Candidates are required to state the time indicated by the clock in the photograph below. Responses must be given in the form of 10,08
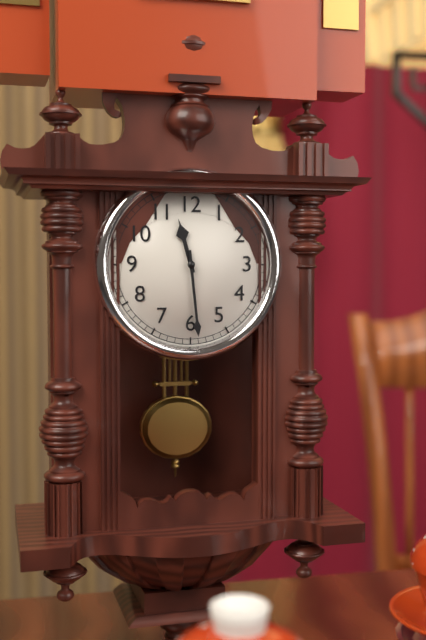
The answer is 11,29
